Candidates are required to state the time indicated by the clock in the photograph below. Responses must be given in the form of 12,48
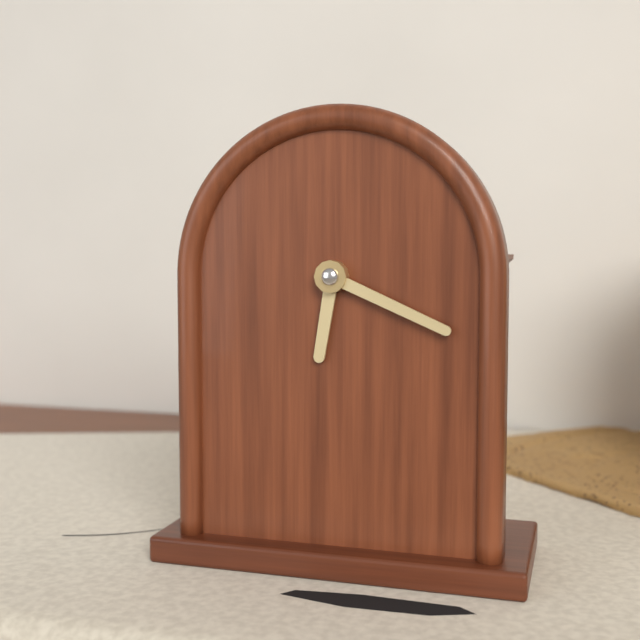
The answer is 6,19
